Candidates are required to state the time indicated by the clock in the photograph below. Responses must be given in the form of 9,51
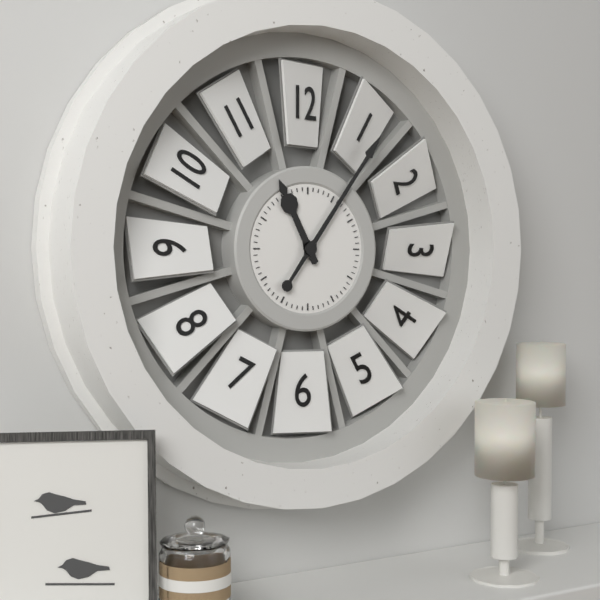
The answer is 11,06
